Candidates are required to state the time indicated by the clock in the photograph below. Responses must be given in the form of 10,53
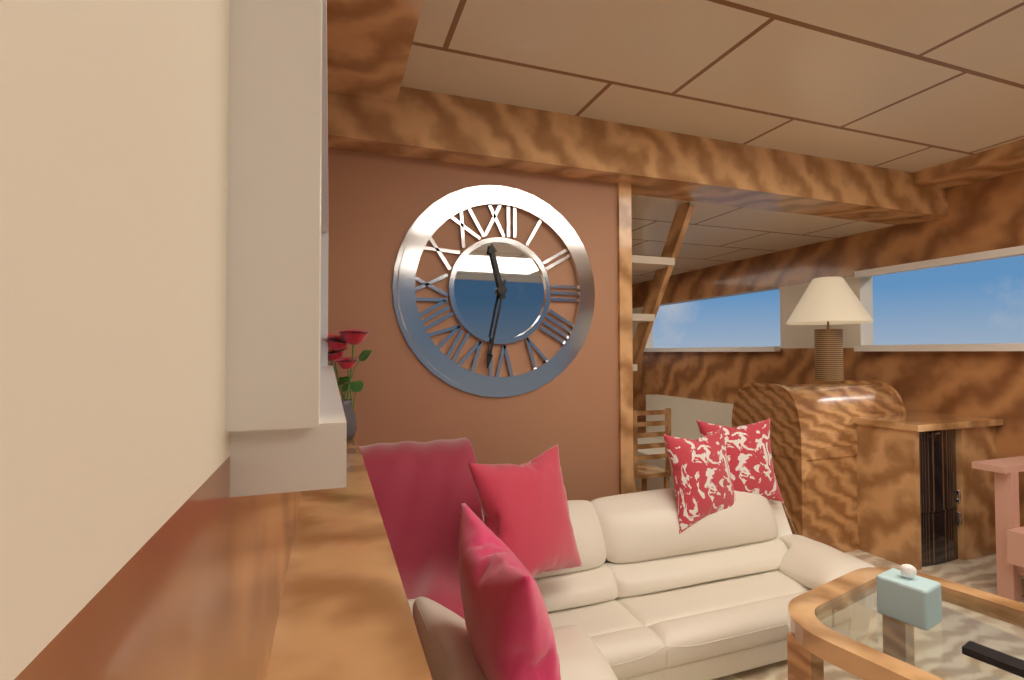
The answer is 11,32
